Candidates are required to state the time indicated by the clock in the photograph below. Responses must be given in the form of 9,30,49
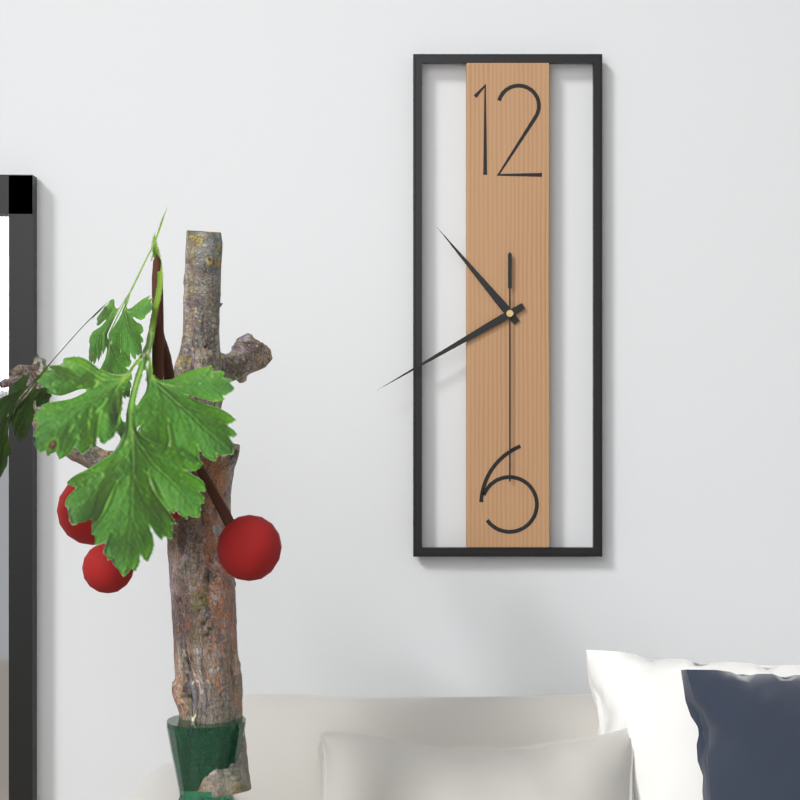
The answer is 10,40,30
